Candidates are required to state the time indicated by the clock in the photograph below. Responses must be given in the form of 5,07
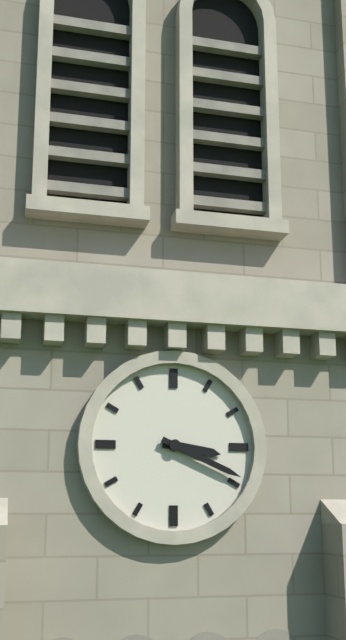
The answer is 3,19
